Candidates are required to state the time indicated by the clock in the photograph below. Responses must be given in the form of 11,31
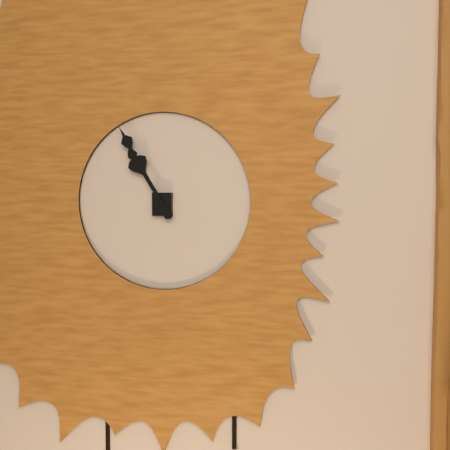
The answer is 10,55
